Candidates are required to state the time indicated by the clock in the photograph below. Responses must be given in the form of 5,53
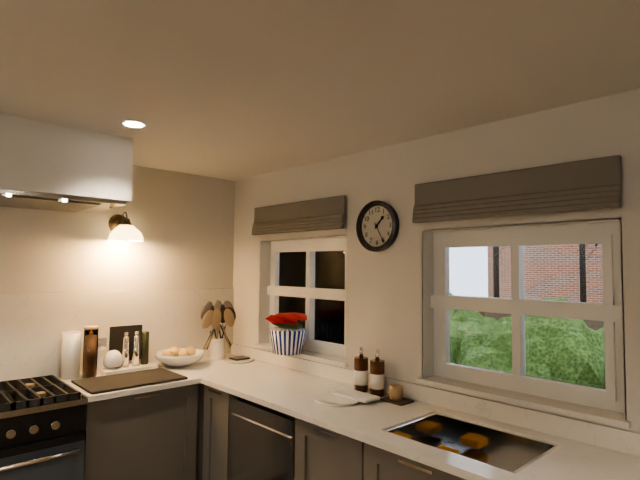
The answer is 1,25
